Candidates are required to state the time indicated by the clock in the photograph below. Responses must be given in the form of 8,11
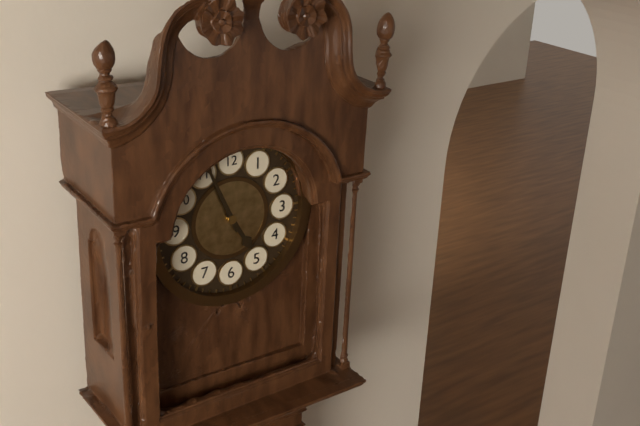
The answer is 4,56
